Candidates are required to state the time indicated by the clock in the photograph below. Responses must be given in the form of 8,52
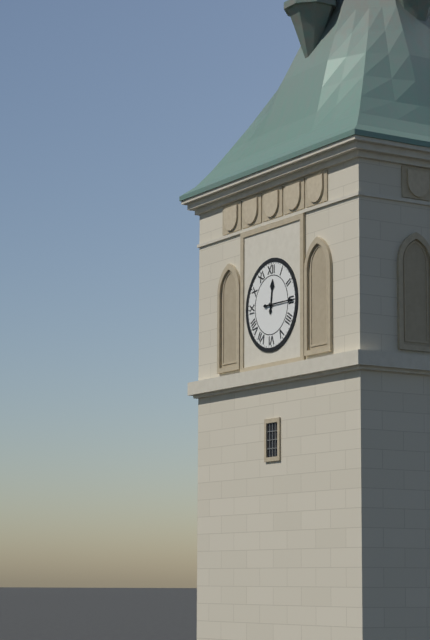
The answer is 12,15
